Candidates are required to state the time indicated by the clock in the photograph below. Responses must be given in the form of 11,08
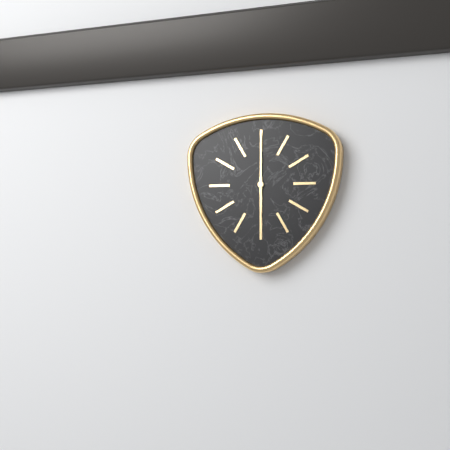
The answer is 6,00
